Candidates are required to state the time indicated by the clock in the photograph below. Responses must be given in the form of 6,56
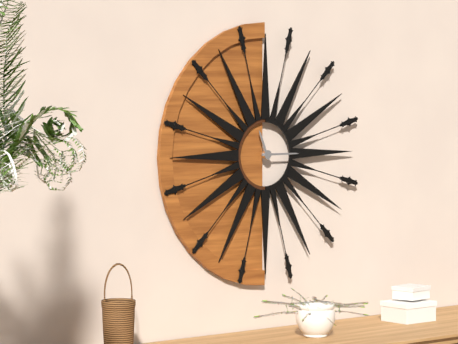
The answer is 11,15
